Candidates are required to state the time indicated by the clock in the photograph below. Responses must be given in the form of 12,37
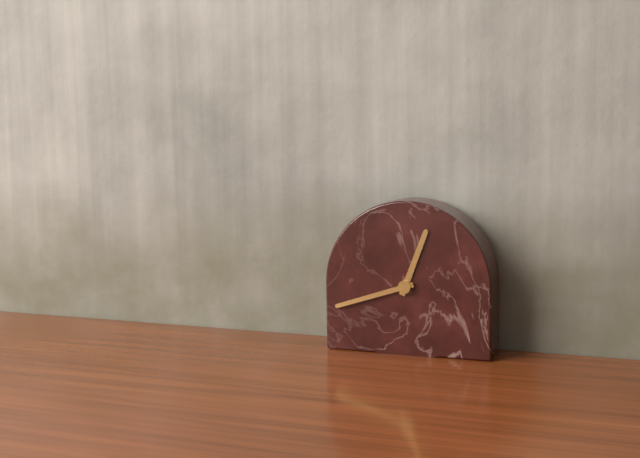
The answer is 12,42
